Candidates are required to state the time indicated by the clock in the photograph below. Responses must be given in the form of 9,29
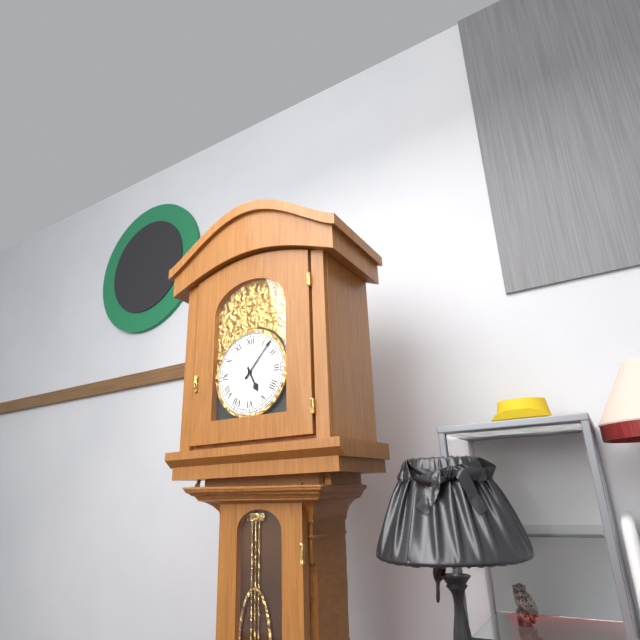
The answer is 5,07
